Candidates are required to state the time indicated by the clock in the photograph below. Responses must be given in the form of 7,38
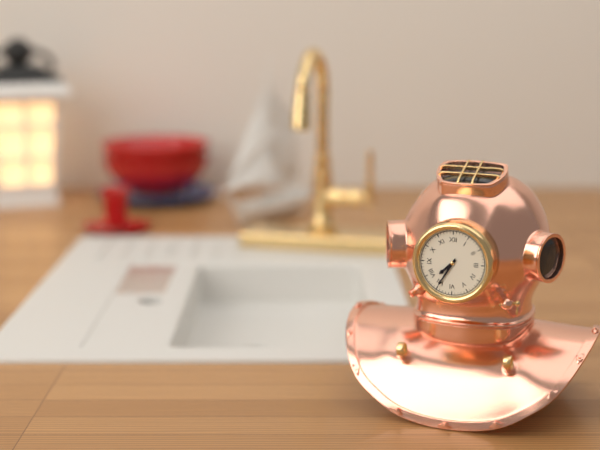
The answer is 7,35
